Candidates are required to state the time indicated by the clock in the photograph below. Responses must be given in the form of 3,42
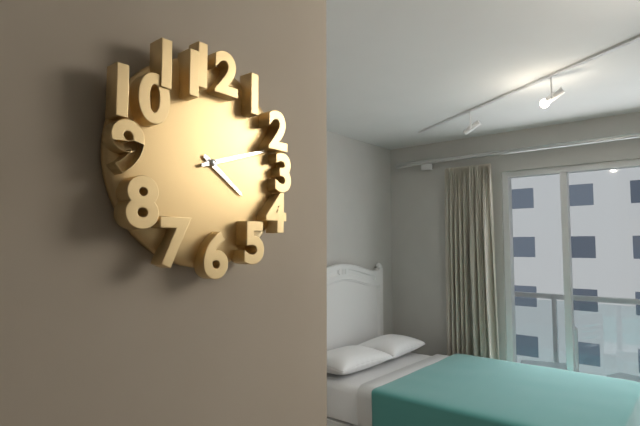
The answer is 4,12
